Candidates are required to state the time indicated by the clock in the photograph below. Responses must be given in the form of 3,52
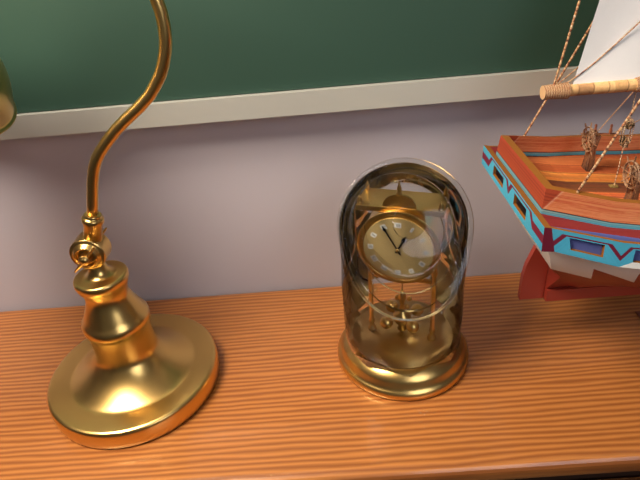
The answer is 12,55
